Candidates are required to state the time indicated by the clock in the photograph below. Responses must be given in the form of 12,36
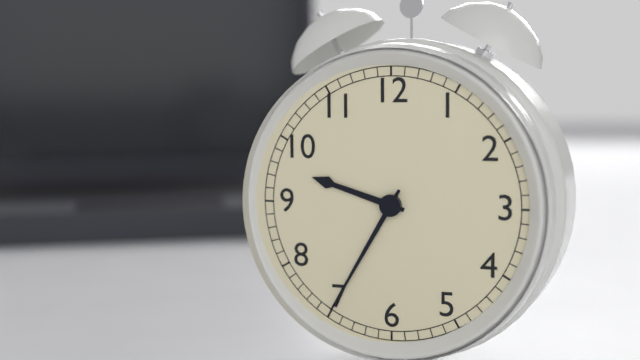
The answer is 9,35
